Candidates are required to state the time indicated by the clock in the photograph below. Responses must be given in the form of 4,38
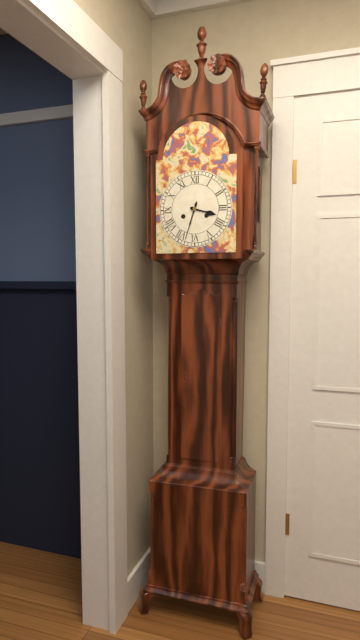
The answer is 3,33
